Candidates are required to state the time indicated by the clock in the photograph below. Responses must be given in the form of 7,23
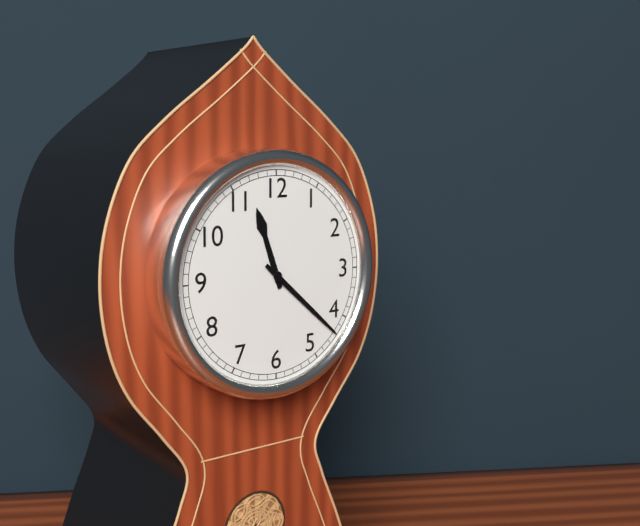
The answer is 11,22
